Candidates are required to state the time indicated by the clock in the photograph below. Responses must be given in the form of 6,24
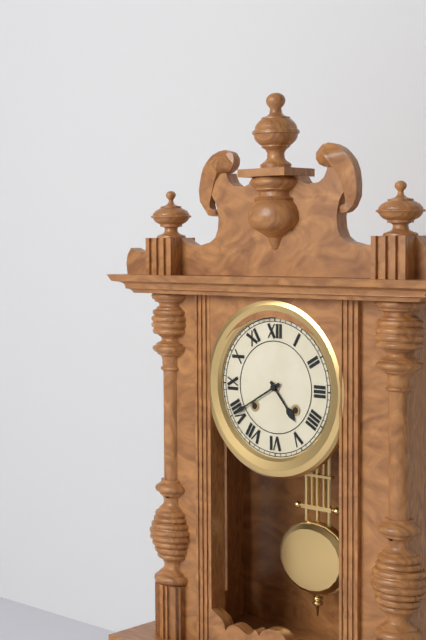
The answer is 4,40
